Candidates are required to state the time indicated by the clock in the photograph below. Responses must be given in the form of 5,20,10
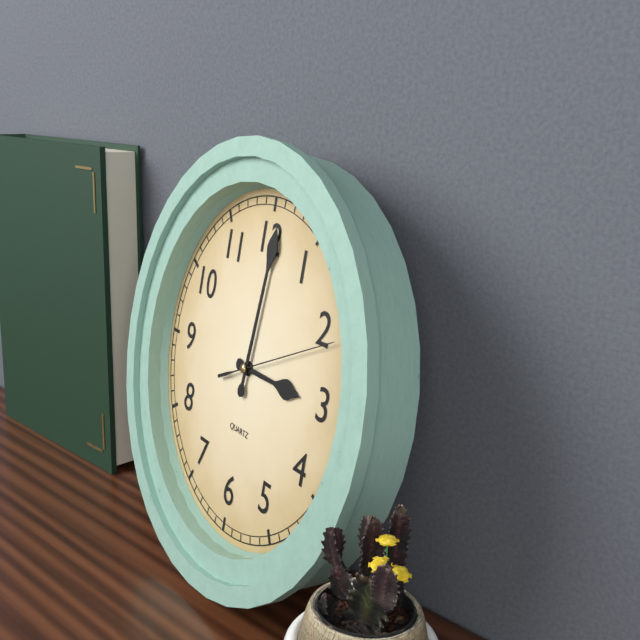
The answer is 3,01,11
